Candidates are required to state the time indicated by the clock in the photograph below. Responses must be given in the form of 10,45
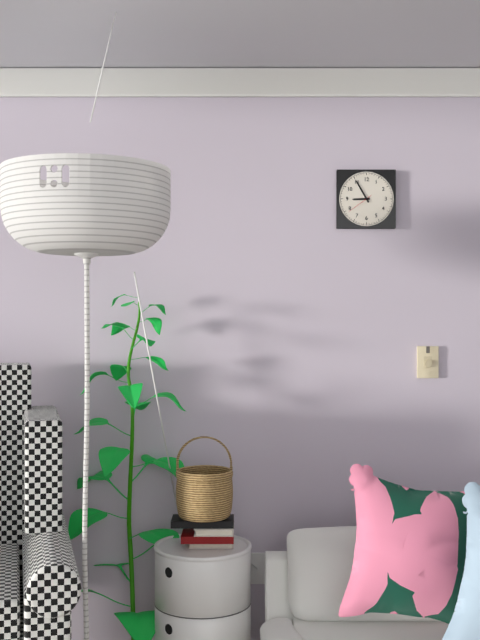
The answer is 8,55
